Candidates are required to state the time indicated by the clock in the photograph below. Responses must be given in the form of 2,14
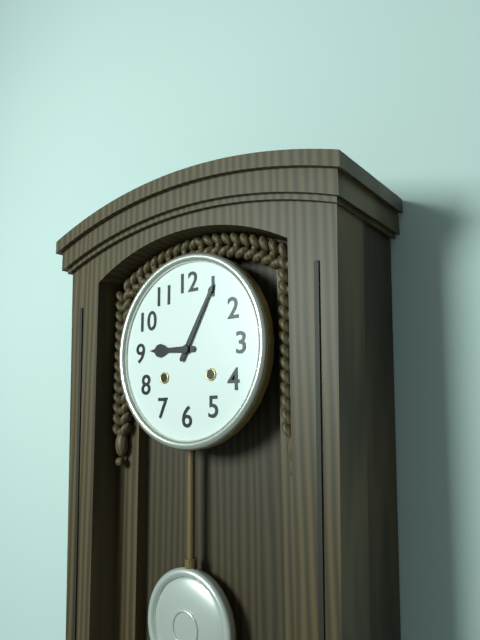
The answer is 9,05
